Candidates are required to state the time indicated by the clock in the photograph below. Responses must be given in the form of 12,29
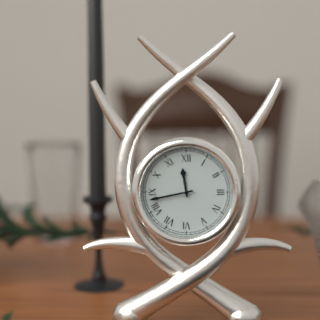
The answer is 11,43
